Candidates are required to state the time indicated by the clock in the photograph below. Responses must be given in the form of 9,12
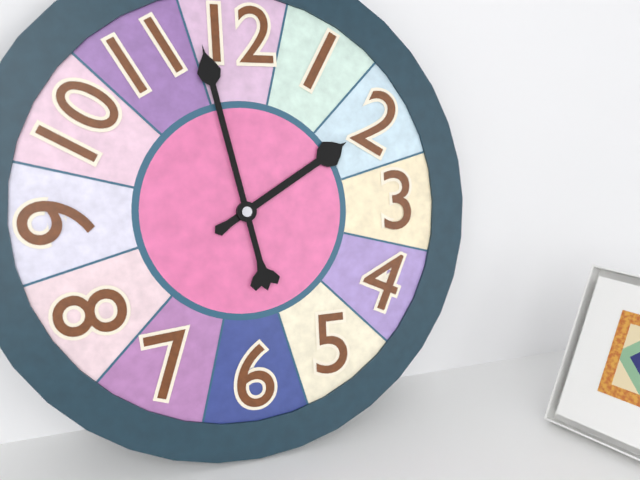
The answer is 1,58
